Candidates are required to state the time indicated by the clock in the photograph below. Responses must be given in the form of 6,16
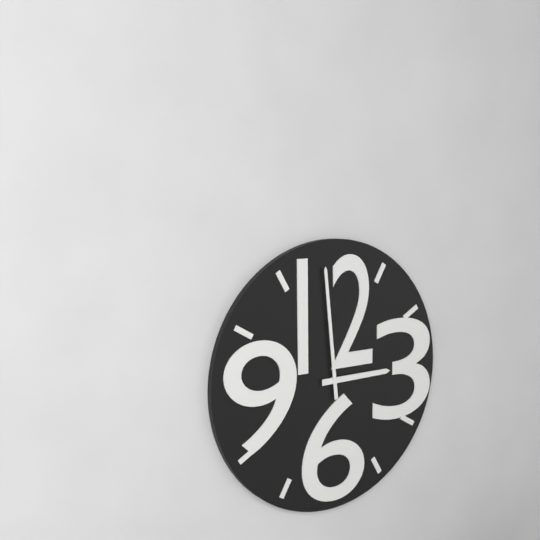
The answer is 2,59
